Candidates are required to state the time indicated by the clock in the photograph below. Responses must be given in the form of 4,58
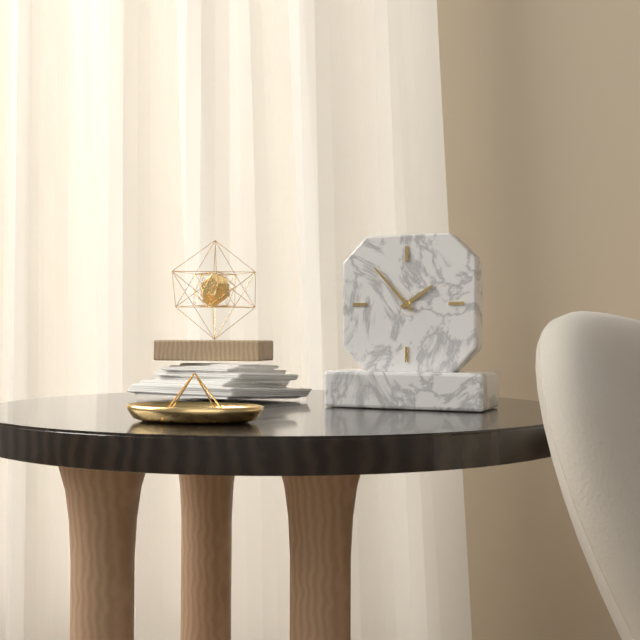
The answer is 1,53
